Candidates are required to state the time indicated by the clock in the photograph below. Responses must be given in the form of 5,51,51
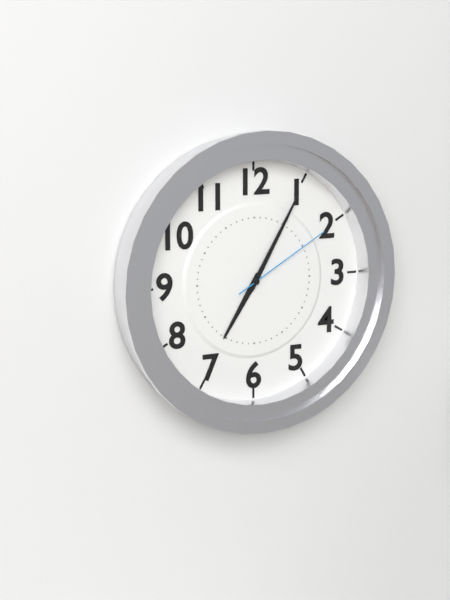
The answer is 7,05,10
